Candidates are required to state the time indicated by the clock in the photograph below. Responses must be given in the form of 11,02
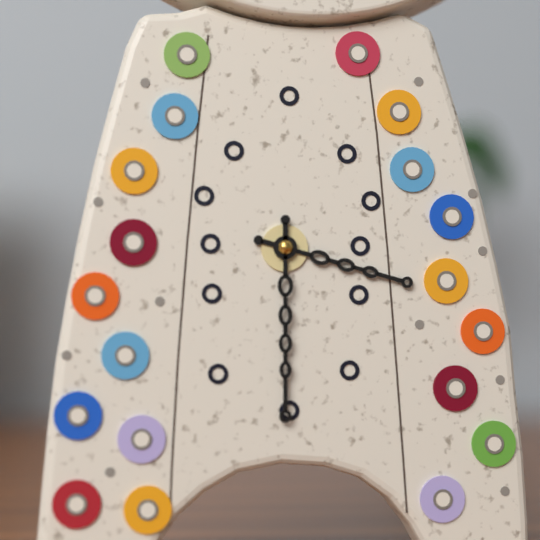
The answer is 3,30
